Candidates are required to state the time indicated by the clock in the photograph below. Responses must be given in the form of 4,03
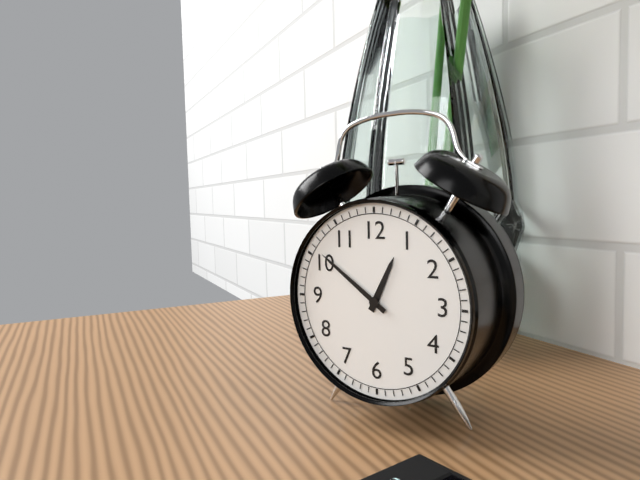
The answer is 12,51
